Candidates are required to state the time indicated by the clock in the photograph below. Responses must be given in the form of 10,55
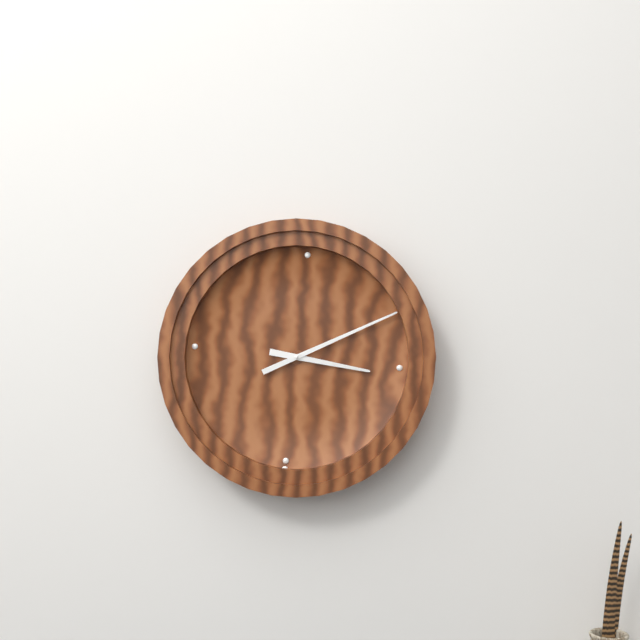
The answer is 3,10
